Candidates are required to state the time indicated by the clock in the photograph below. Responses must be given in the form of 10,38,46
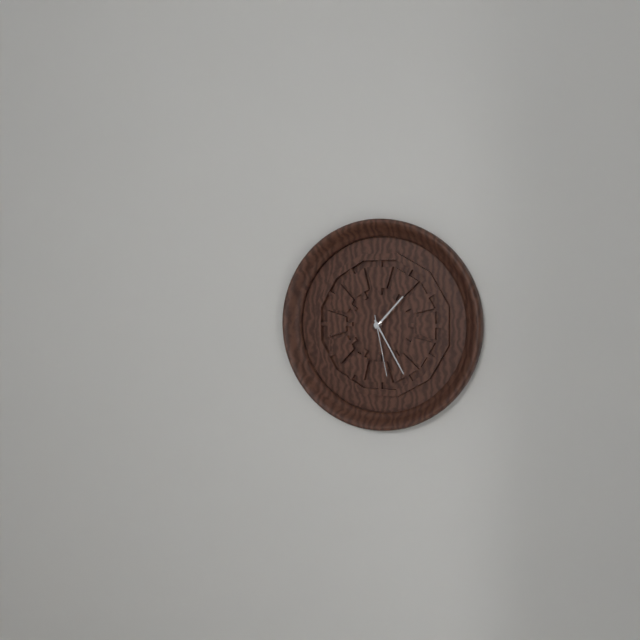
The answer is 1,25,28
